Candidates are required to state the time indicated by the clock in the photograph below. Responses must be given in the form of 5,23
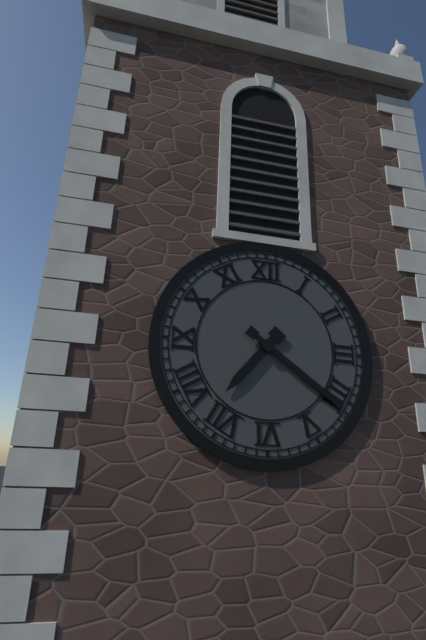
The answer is 7,21
